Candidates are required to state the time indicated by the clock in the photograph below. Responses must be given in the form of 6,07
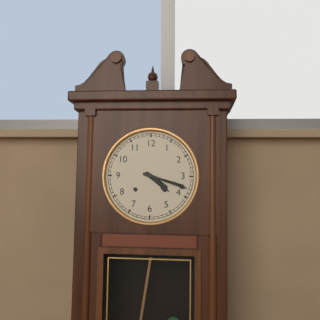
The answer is 4,18
